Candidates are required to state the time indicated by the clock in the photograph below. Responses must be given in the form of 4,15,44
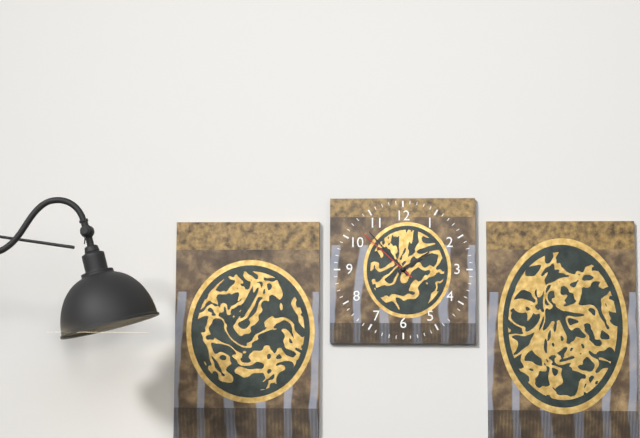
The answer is 1,53,52
